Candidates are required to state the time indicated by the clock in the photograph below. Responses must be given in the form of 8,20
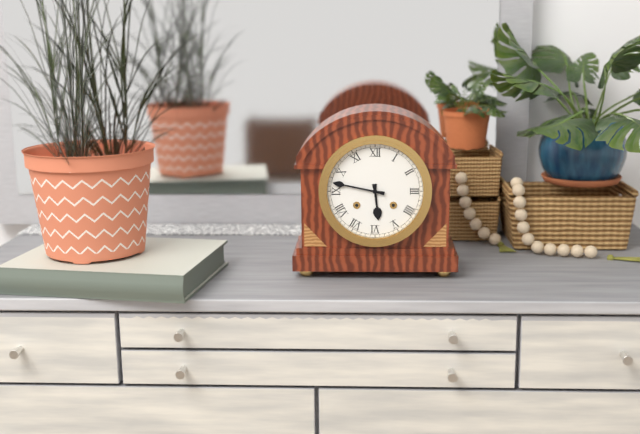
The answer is 5,47
